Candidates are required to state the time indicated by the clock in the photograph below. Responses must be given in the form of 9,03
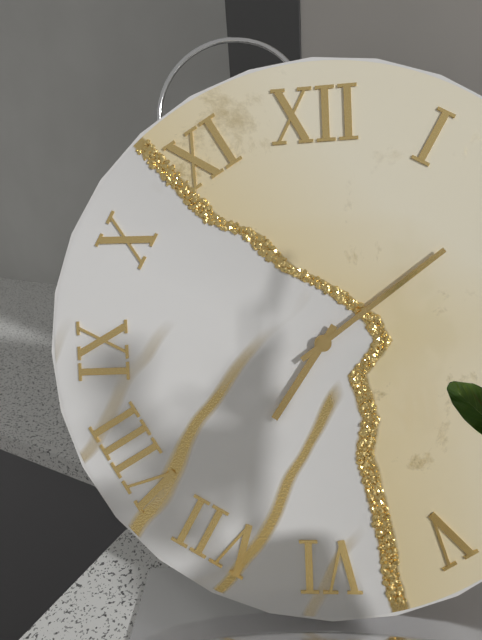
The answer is 7,09
